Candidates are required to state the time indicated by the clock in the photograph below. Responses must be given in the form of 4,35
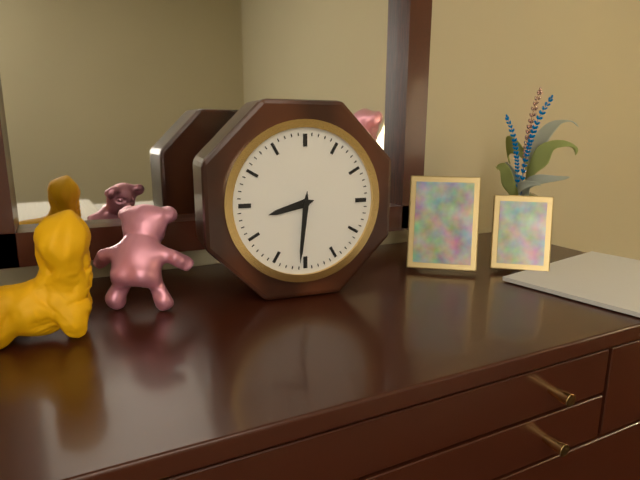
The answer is 8,31
